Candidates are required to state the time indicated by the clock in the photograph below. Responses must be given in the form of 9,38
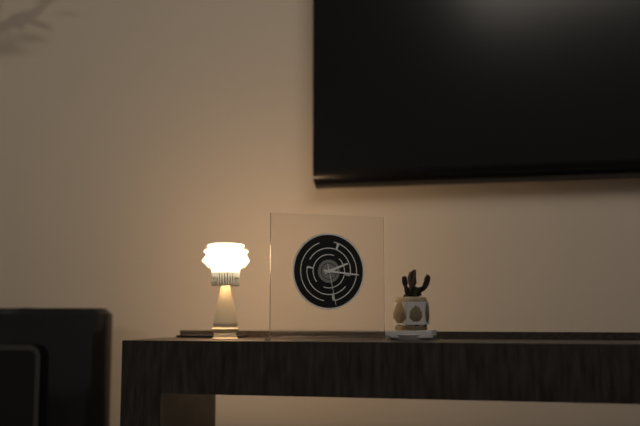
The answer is 2,16
